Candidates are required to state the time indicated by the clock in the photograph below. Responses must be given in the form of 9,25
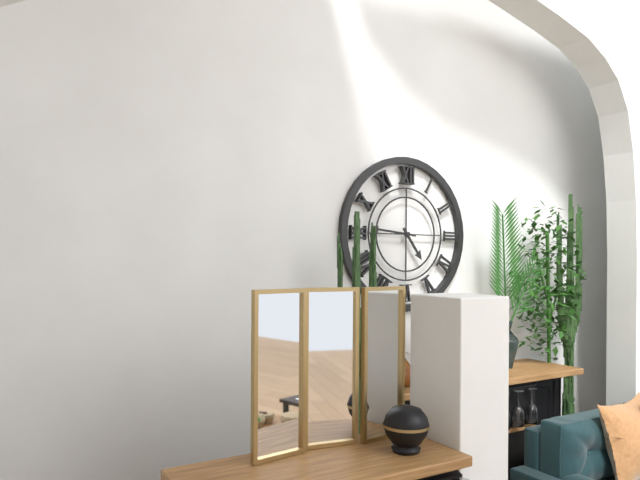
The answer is 4,46
